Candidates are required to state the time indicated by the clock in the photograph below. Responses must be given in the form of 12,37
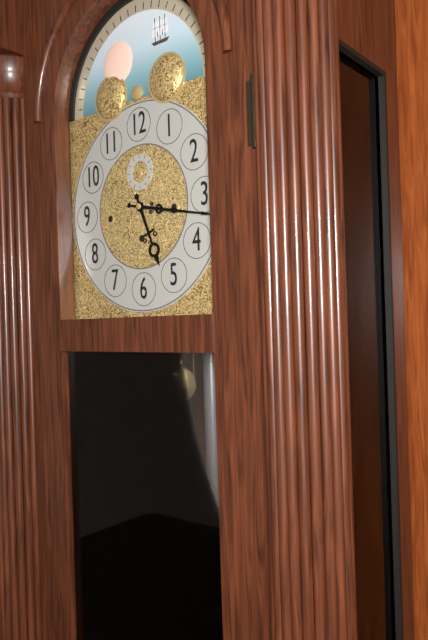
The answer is 5,17
